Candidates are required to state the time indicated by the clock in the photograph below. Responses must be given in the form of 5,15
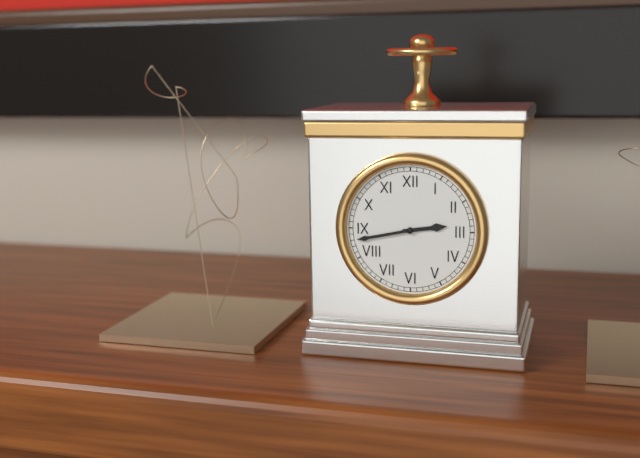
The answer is 2,43
